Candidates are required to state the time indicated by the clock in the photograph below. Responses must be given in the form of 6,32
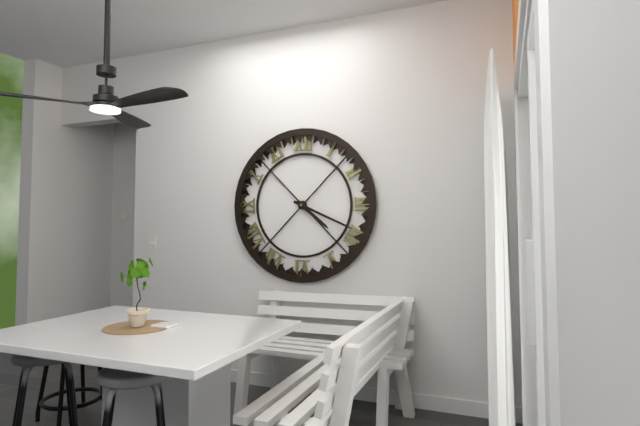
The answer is 4,19
